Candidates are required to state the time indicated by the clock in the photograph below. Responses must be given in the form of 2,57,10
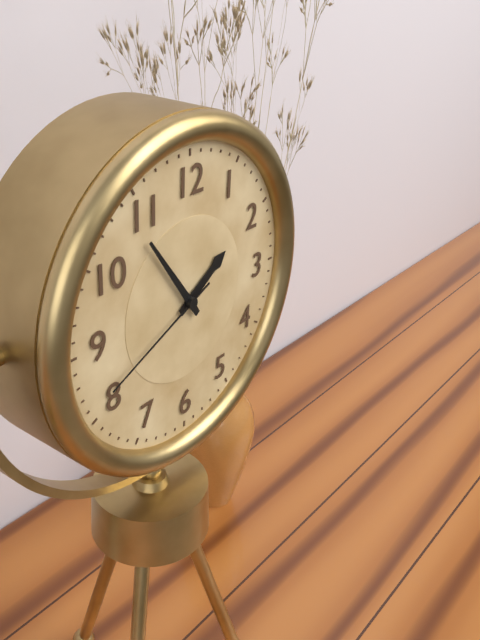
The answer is 1,54,41
